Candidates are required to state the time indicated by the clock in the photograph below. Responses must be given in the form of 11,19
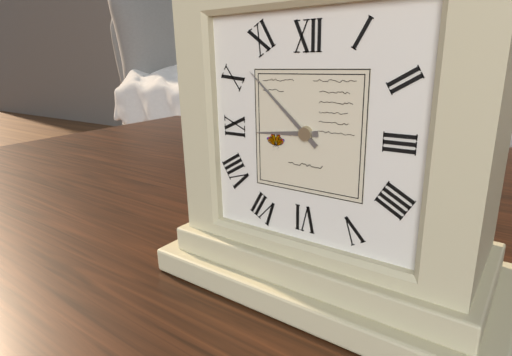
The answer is 8,52
